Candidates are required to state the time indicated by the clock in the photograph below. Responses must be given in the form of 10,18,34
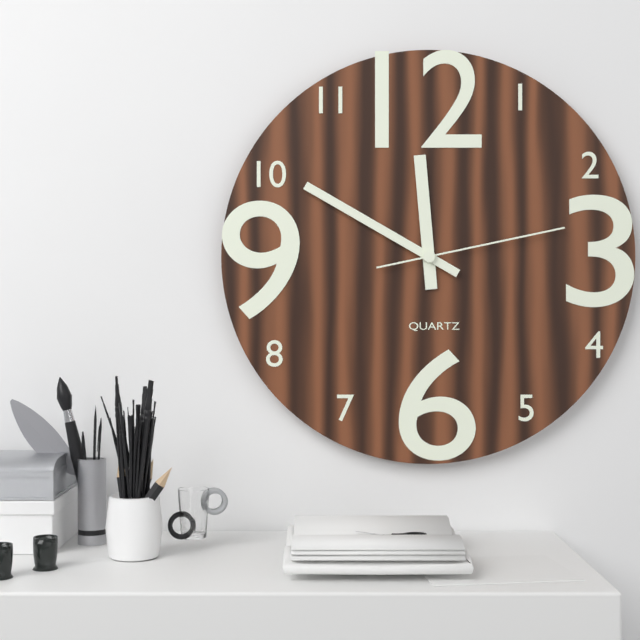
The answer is 11,50,13
